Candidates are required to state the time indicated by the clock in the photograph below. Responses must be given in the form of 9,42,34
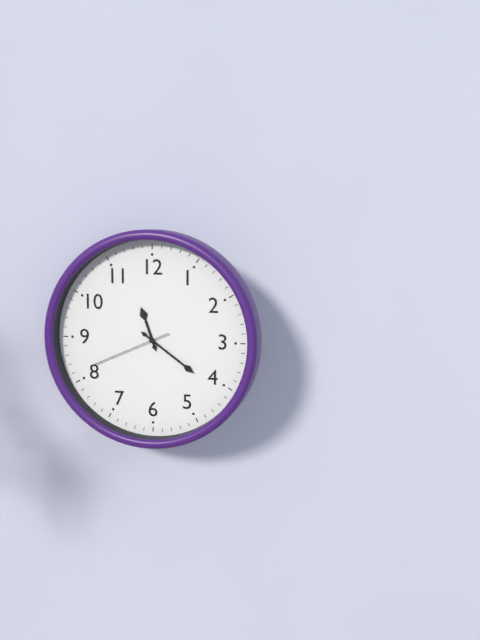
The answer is 11,21,41
